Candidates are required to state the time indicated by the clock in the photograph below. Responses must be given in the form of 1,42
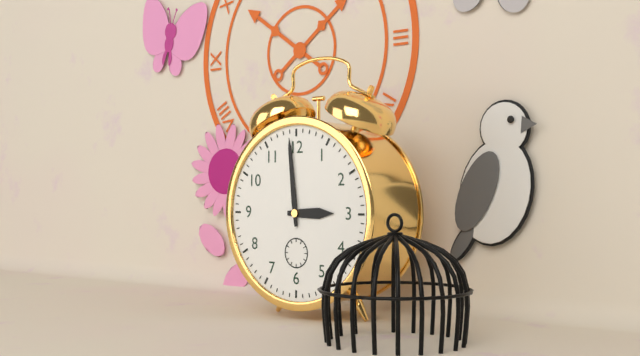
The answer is 2,59
